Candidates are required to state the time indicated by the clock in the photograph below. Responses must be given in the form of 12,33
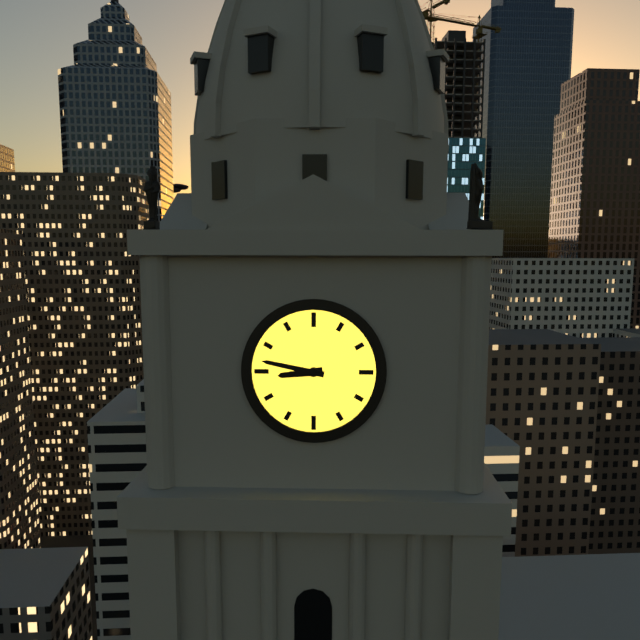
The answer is 8,47
